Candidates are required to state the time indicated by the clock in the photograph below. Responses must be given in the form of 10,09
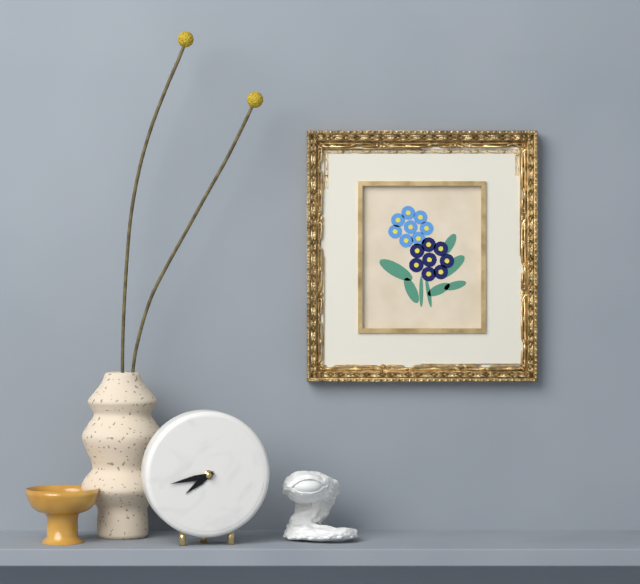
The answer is 7,43
